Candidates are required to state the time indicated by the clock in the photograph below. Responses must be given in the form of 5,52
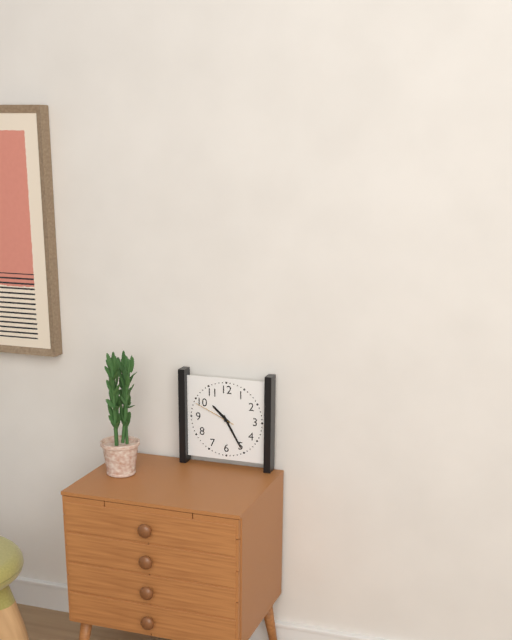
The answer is 10,25
